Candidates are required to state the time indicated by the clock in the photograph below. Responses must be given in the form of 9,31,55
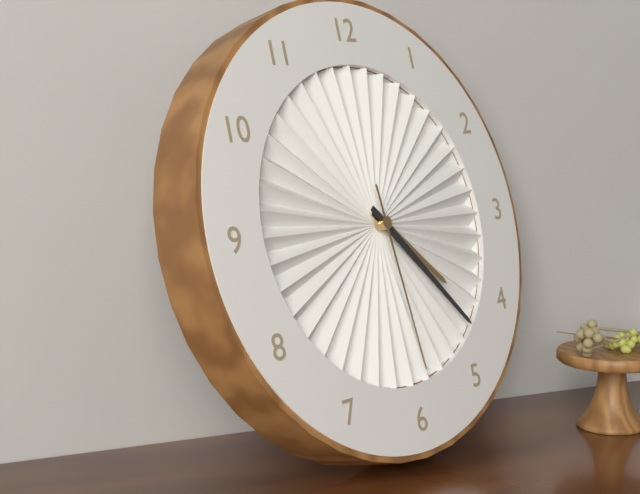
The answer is 4,23,29
